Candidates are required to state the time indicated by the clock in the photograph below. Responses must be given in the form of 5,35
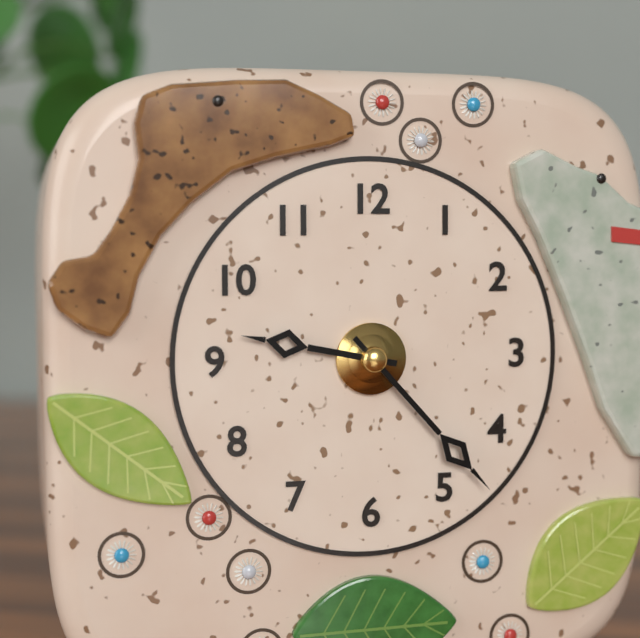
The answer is 9,23
